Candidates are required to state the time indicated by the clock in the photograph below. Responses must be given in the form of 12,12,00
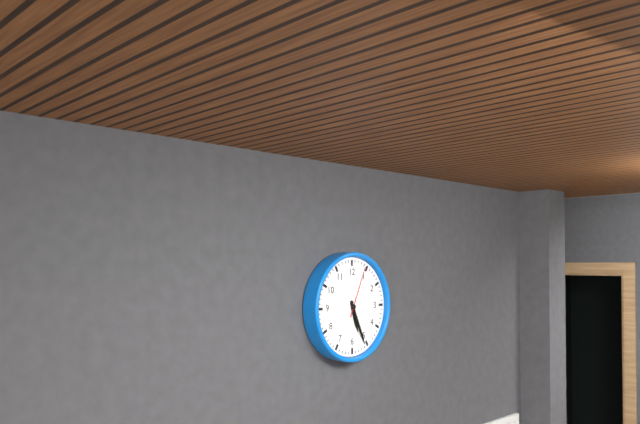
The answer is 5,26,04
